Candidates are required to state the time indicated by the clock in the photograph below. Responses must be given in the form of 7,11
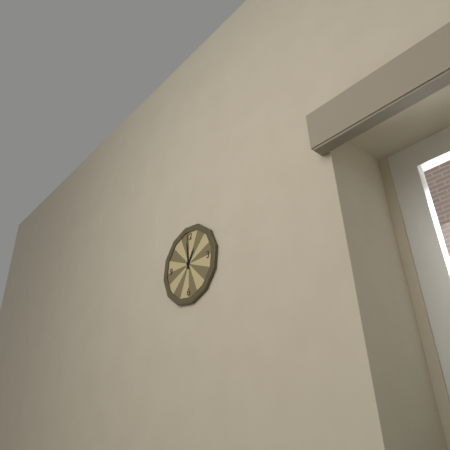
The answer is 12,59
